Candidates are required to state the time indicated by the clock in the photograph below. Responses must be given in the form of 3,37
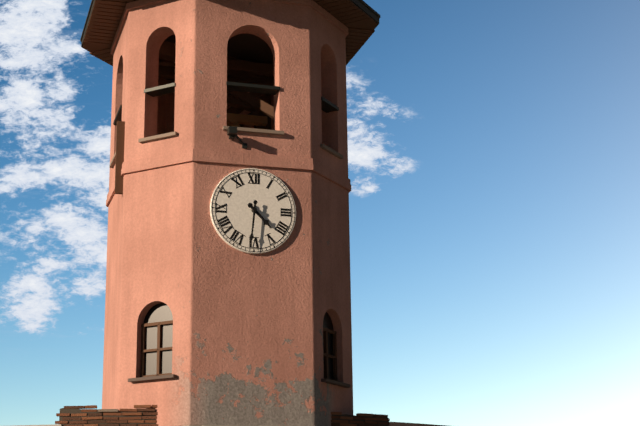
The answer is 4,31
